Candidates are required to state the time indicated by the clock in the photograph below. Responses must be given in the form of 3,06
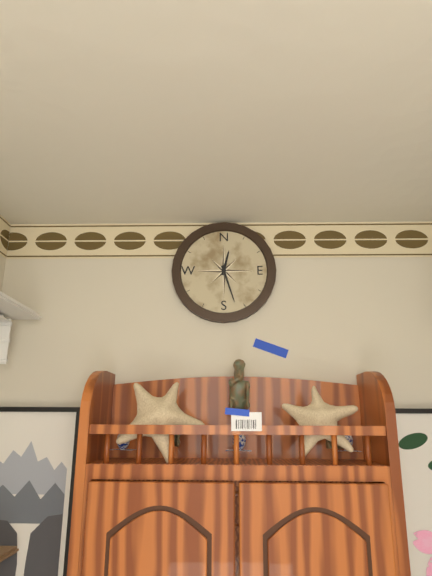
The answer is 12,27
